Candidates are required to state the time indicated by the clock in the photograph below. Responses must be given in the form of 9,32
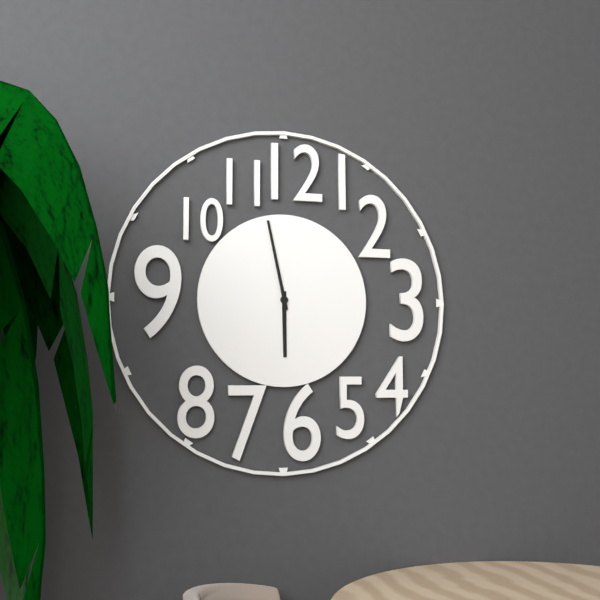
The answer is 5,58
